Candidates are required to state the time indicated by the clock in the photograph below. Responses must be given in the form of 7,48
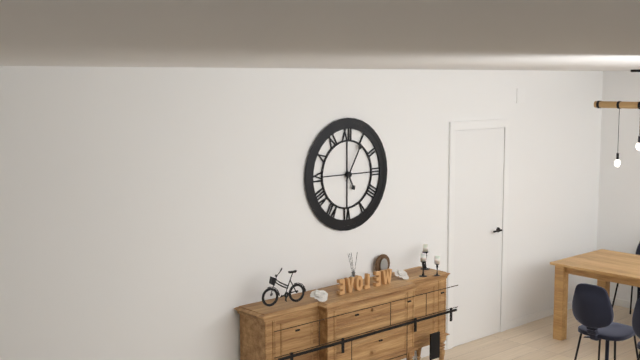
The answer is 5,05
